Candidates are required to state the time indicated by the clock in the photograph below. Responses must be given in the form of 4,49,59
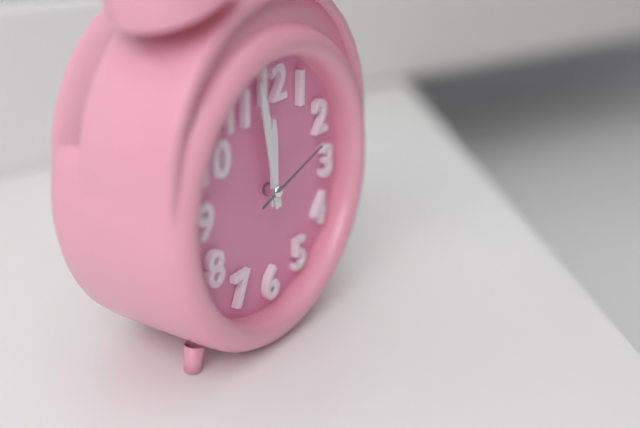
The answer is 11,58,12
